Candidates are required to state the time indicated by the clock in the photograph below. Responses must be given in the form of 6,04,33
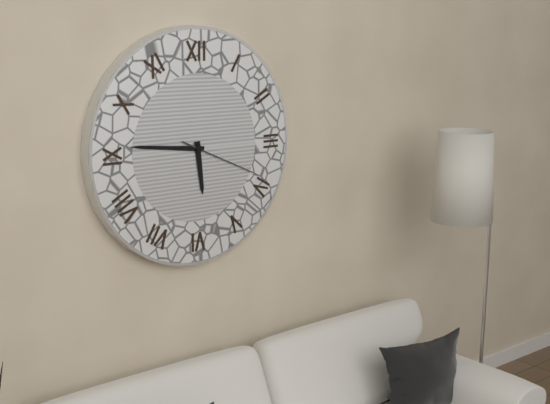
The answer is 5,46,19
